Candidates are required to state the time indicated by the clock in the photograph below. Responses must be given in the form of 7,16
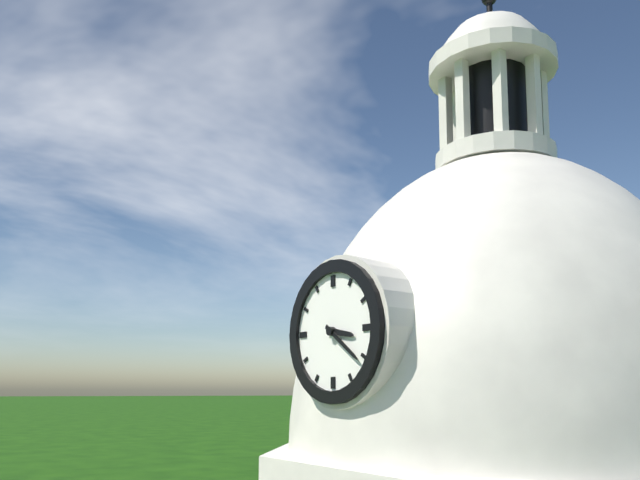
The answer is 3,21
